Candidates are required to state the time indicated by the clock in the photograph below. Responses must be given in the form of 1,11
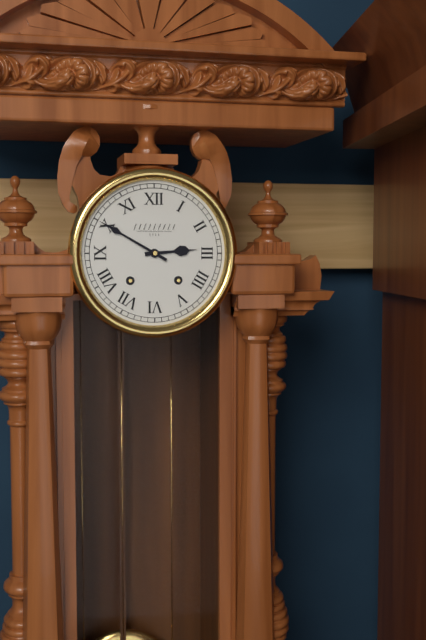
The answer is 2,50
